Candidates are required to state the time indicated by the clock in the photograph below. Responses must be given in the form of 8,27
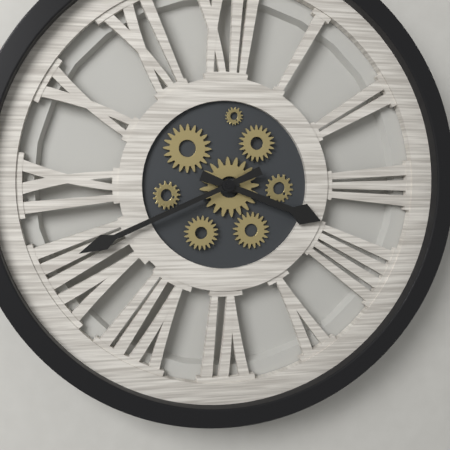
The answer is 3,41
